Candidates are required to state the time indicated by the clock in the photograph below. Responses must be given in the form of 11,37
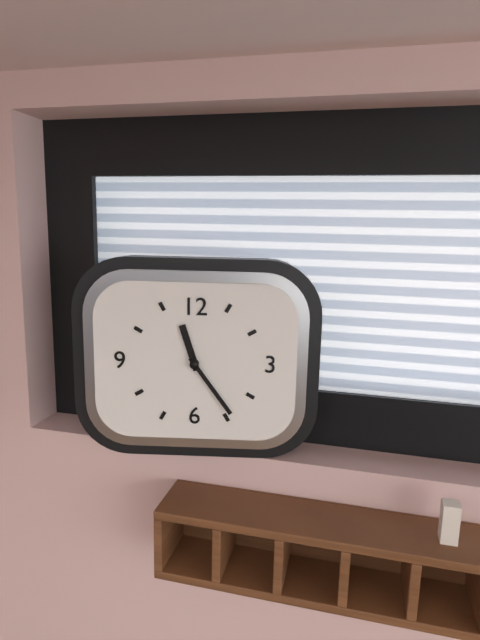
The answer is 11,24
